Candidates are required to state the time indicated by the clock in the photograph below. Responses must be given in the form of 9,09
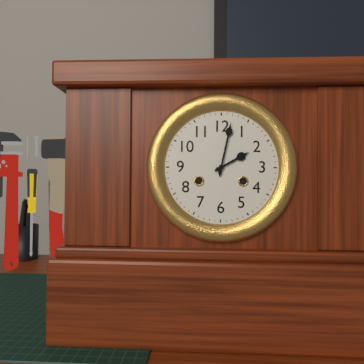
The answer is 2,02
